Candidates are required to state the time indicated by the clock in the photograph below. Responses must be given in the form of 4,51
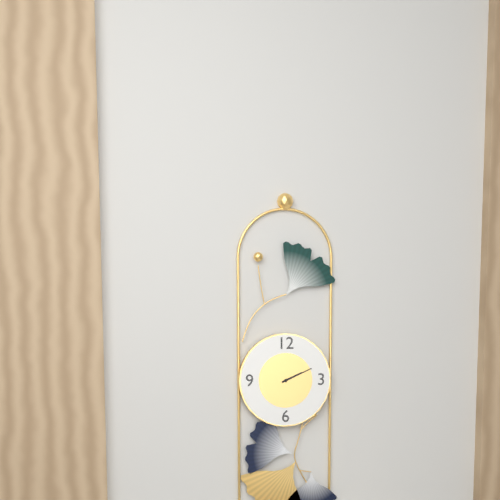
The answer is 2,11
